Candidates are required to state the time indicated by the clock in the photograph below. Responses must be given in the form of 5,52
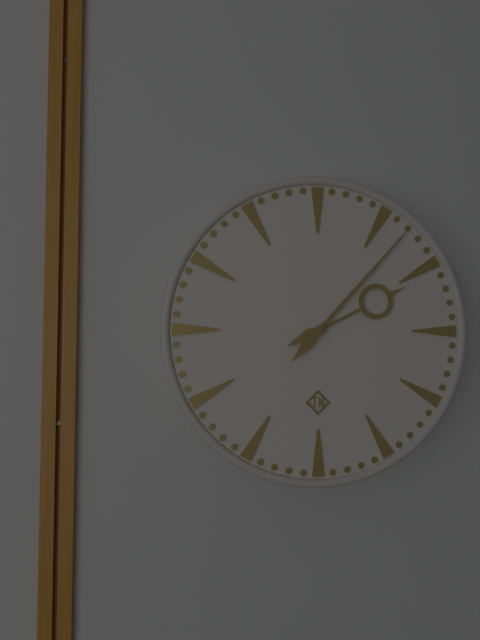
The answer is 2,07
